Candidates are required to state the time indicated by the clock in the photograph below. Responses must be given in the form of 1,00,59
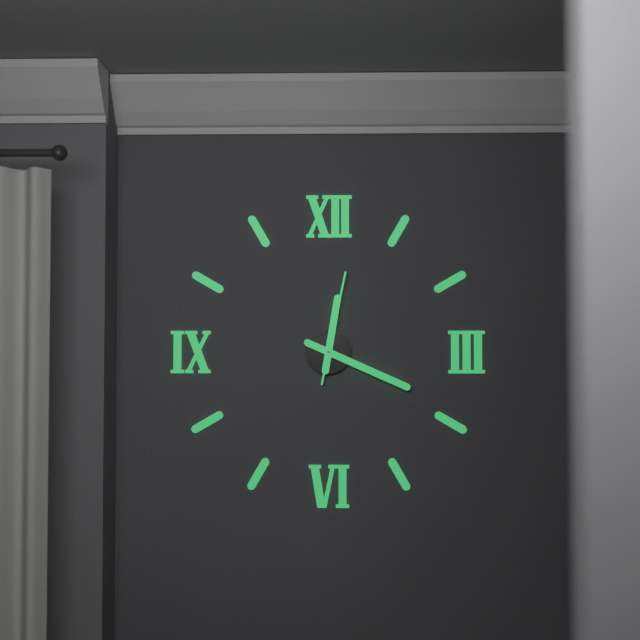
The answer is 12,19,02
